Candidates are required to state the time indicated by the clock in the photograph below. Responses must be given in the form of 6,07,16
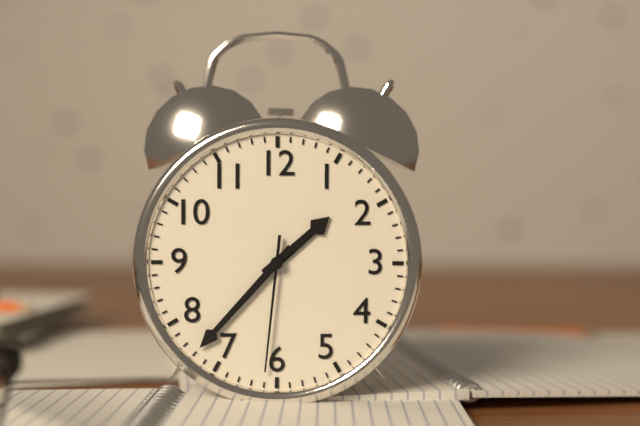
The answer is 1,37,31
